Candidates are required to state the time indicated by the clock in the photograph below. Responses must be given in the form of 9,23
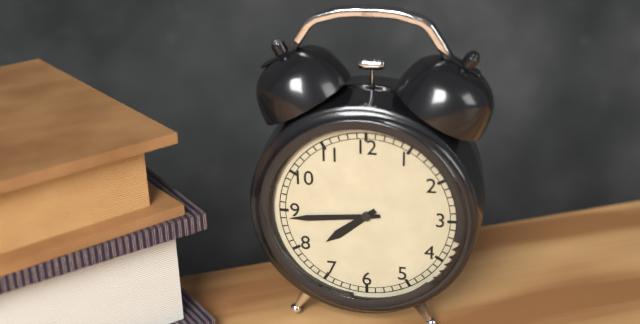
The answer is 7,44
